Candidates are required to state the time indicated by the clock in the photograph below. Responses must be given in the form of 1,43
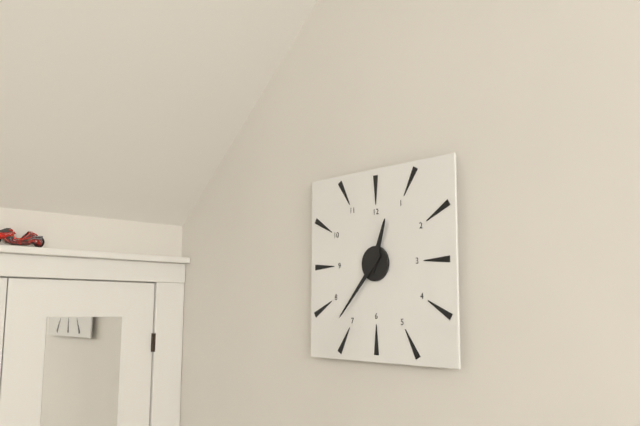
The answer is 12,37
